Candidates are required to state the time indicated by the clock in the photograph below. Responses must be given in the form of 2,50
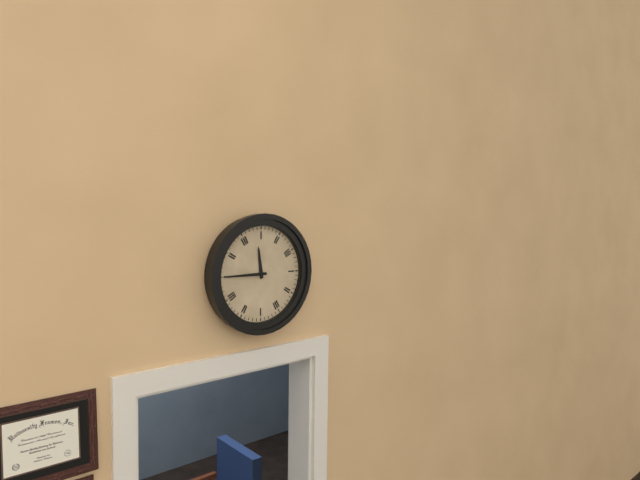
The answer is 11,45
